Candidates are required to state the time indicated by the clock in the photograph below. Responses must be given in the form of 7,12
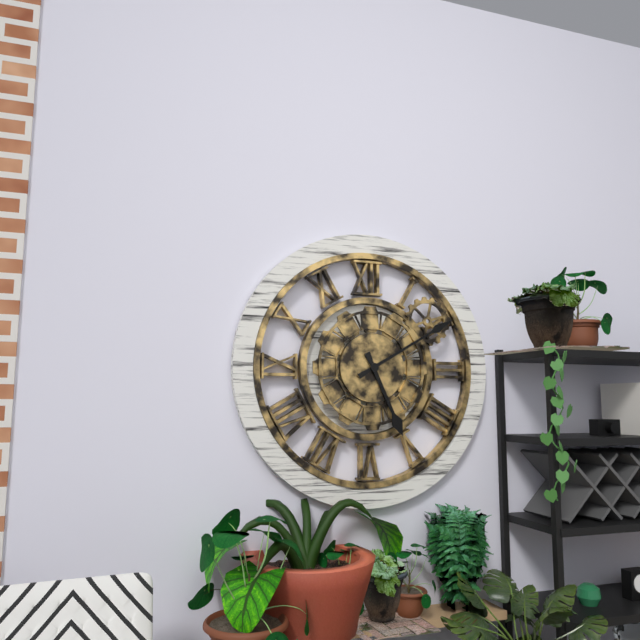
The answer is 5,10
